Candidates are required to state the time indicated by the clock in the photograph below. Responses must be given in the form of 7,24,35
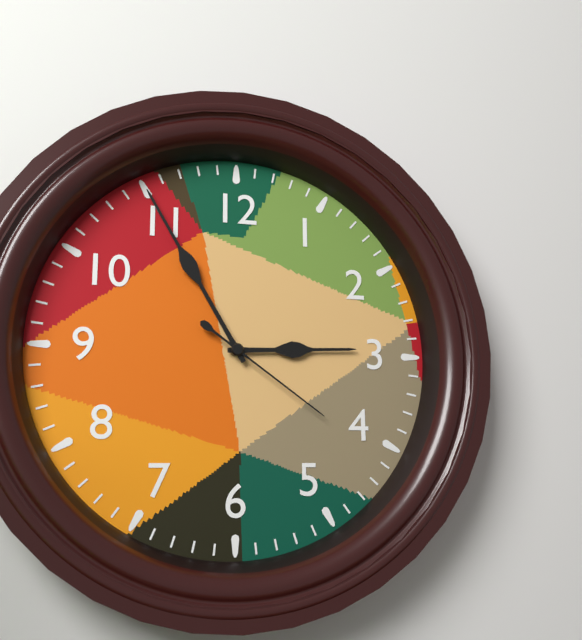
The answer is 2,55,21
